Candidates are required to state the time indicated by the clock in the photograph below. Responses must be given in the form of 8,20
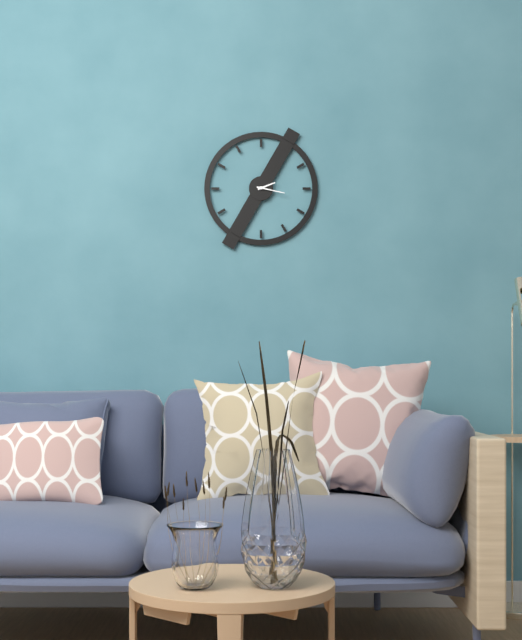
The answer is 2,17
